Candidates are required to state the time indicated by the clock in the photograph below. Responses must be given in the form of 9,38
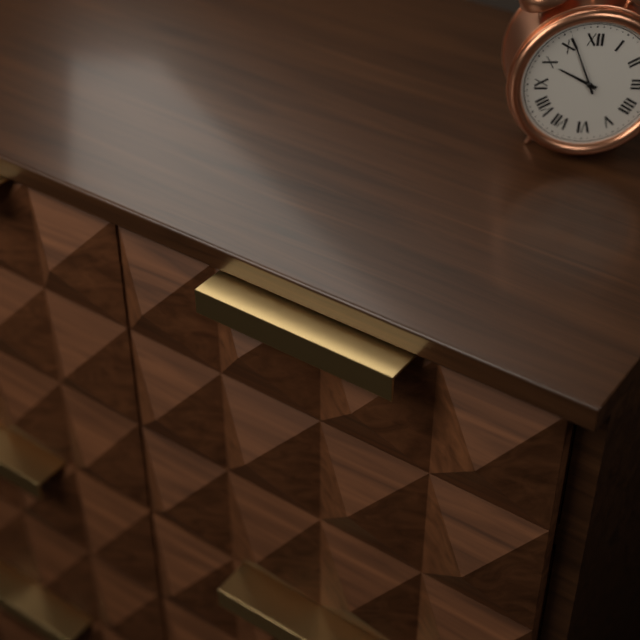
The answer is 9,56
